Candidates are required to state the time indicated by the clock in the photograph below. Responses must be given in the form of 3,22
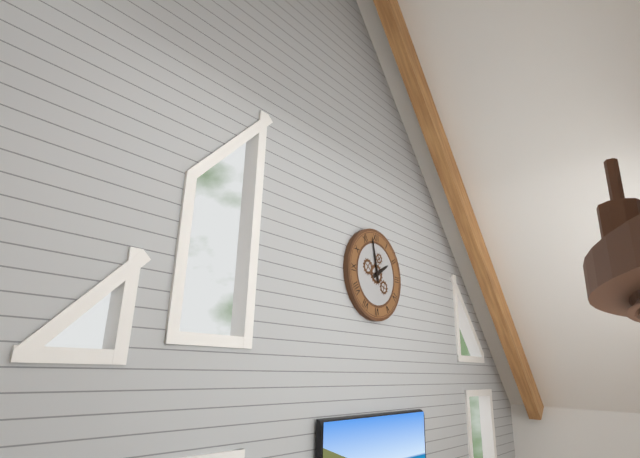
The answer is 1,58
